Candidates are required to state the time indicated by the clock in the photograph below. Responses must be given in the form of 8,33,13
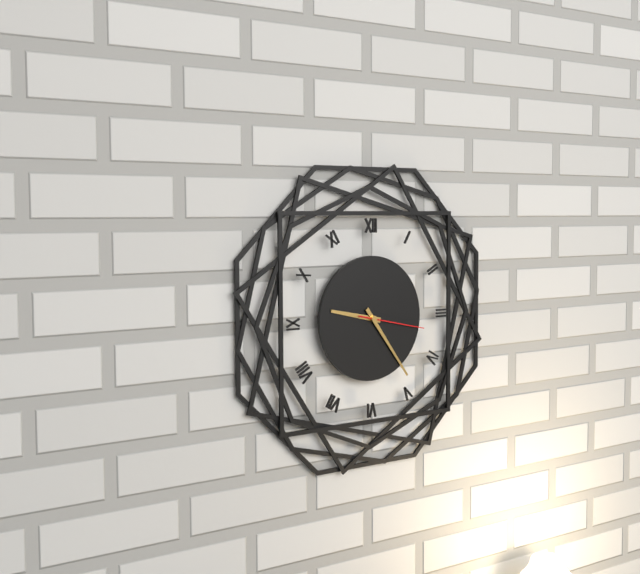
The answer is 9,24,17
